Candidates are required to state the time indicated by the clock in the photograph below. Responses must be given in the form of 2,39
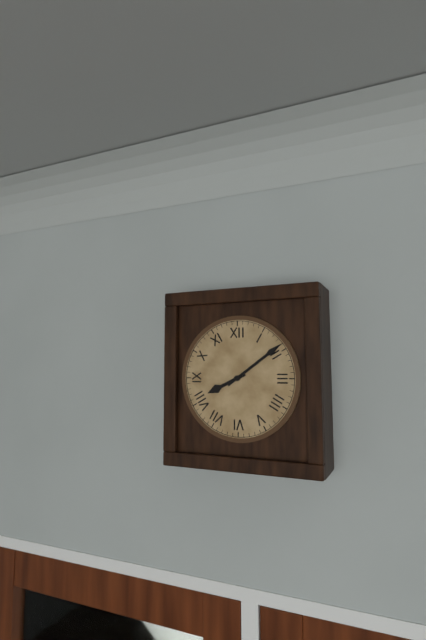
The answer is 8,09
